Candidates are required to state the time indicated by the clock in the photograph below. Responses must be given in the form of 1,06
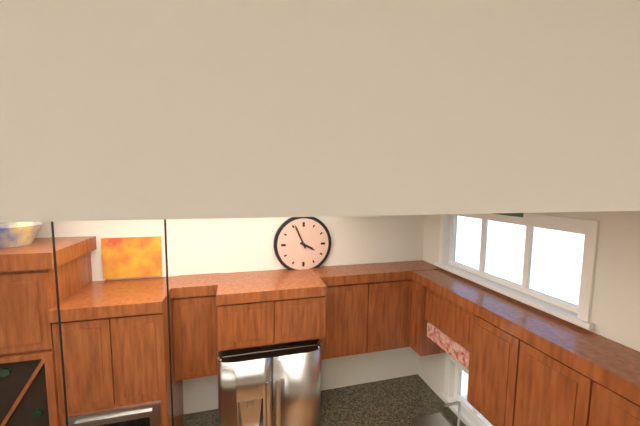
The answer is 3,56
